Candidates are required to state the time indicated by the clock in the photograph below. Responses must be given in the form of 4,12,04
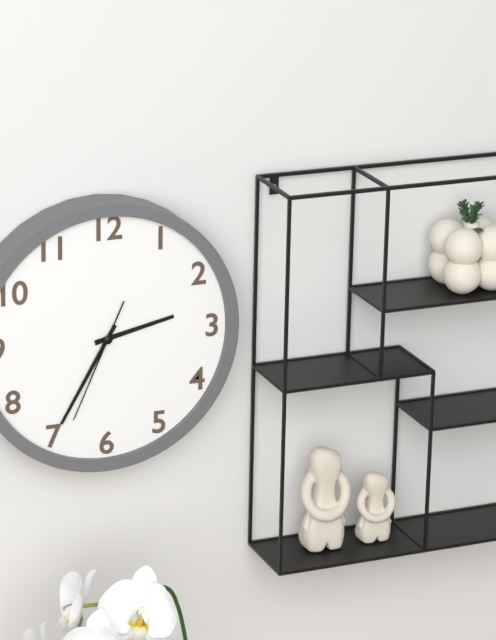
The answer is 2,35,34
